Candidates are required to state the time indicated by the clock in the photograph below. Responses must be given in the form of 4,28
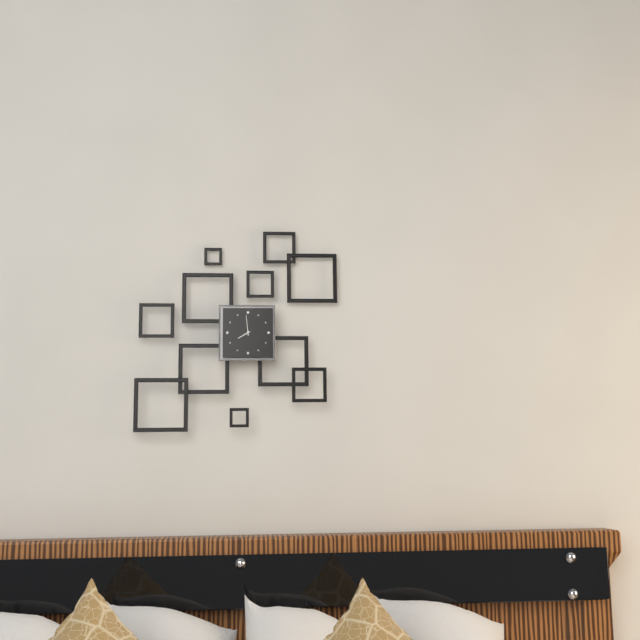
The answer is 7,59
